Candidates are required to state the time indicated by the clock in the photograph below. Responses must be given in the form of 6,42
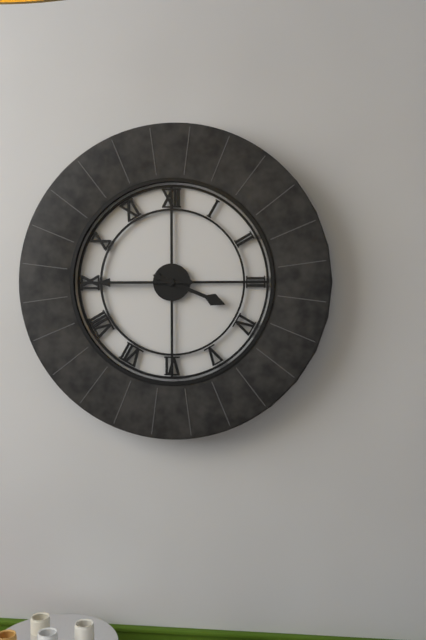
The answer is 3,45
